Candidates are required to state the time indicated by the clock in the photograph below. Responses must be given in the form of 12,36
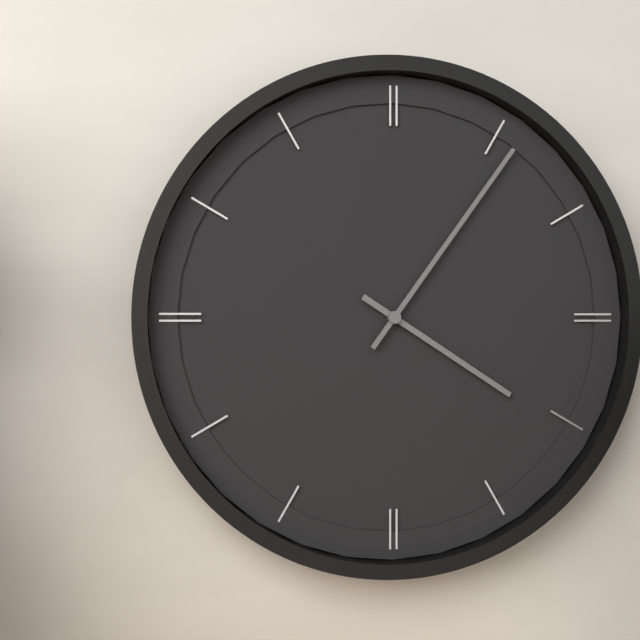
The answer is 4,06
